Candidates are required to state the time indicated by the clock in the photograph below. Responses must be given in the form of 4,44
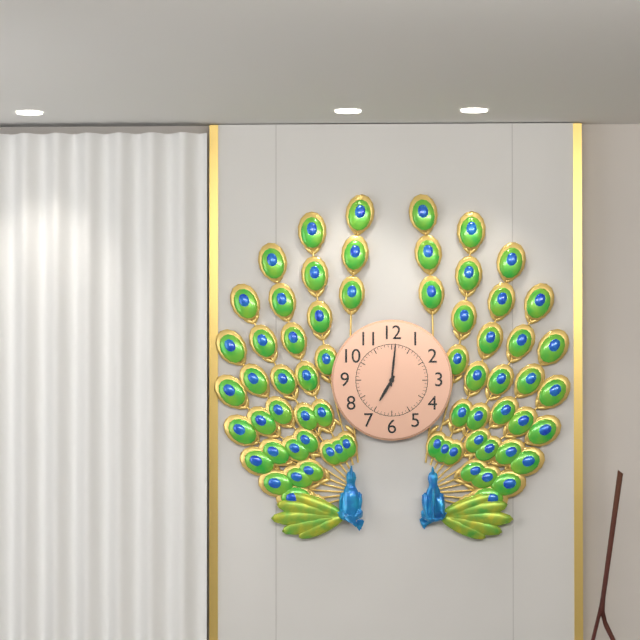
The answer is 7,01
